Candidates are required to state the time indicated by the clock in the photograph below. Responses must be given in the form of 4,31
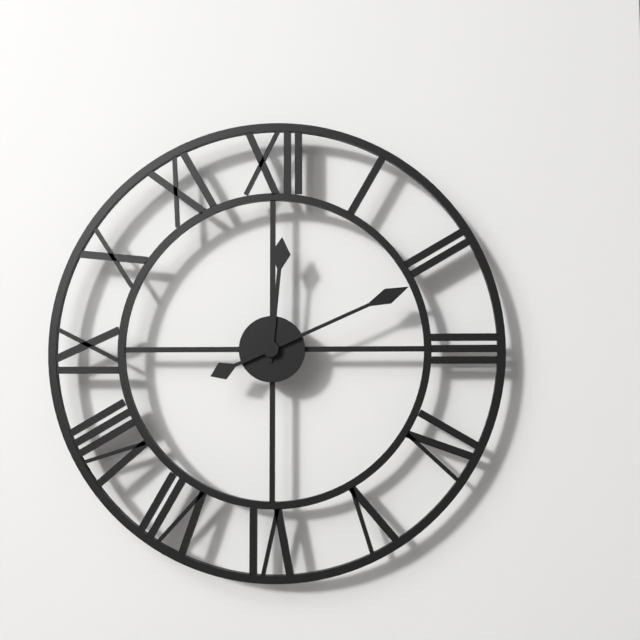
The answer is 12,11
